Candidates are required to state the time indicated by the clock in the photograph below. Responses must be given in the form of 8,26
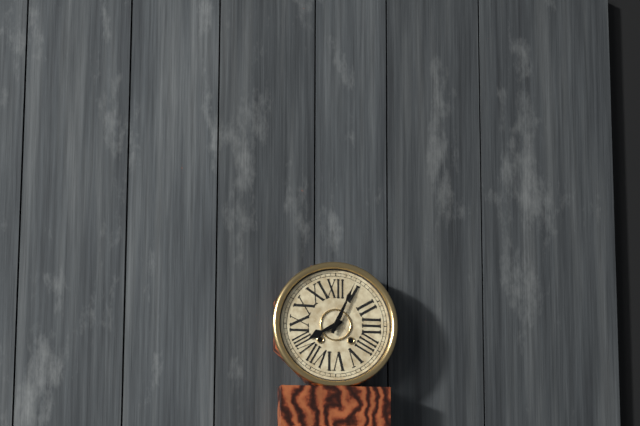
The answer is 8,04
